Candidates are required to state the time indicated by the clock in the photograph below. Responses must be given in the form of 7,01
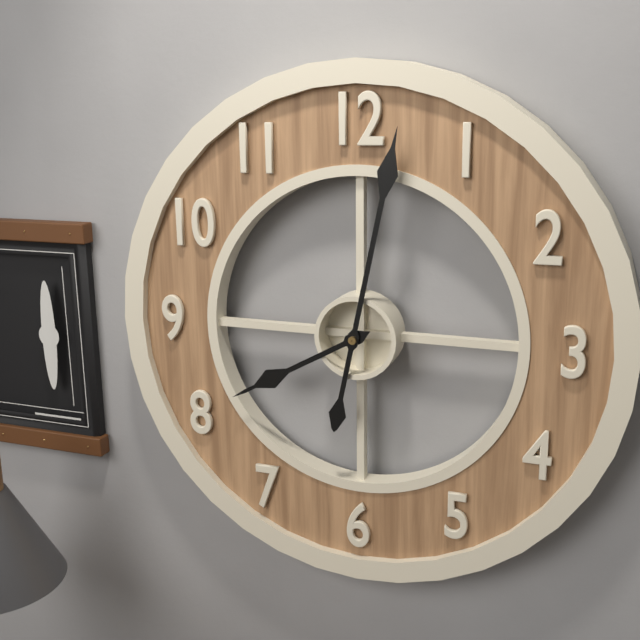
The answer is 8,02
